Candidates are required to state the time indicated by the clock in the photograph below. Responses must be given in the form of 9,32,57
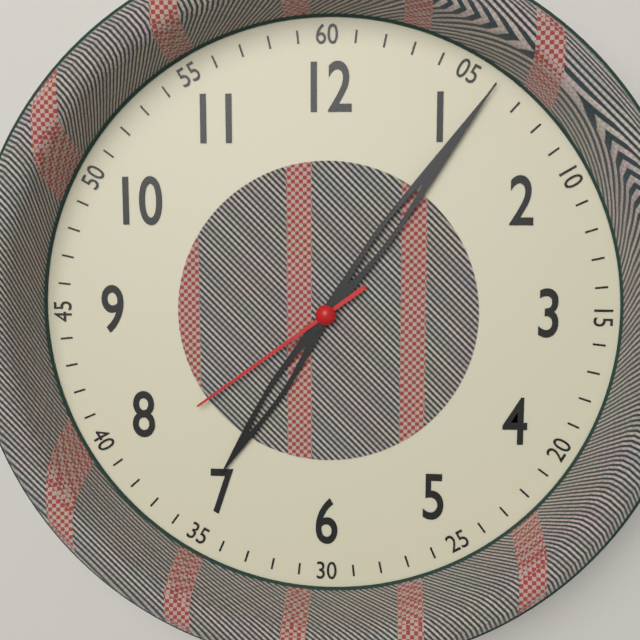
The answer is 7,06,39
